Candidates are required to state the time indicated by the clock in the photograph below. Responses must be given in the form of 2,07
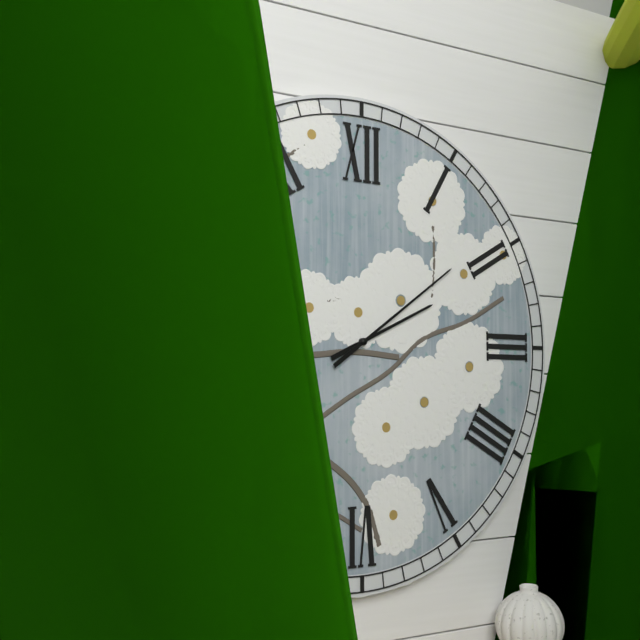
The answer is 2,09
